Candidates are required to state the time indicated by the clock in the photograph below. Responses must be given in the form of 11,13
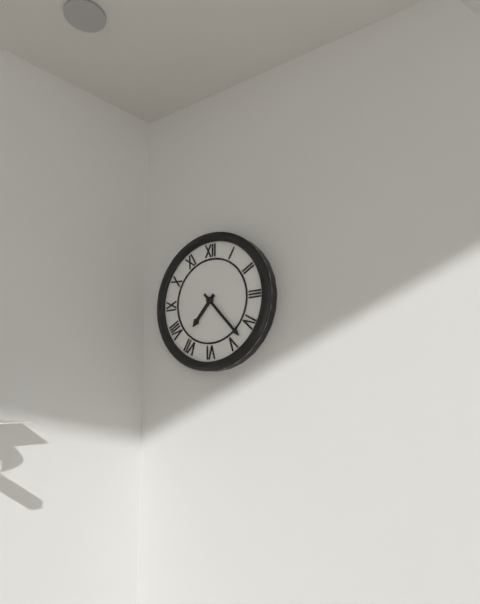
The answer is 7,23
